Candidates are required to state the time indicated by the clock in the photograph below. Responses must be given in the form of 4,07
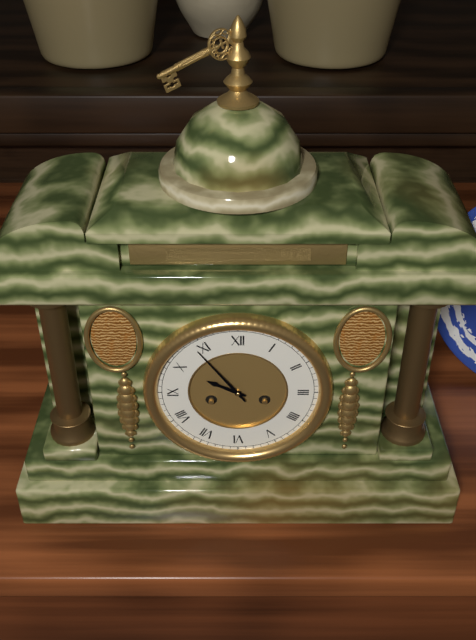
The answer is 9,54
